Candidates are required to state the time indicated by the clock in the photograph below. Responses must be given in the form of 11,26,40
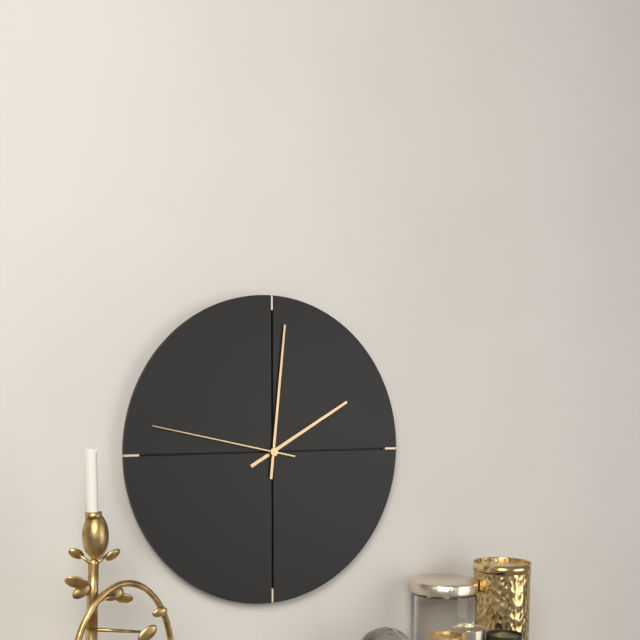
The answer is 2,01,47
